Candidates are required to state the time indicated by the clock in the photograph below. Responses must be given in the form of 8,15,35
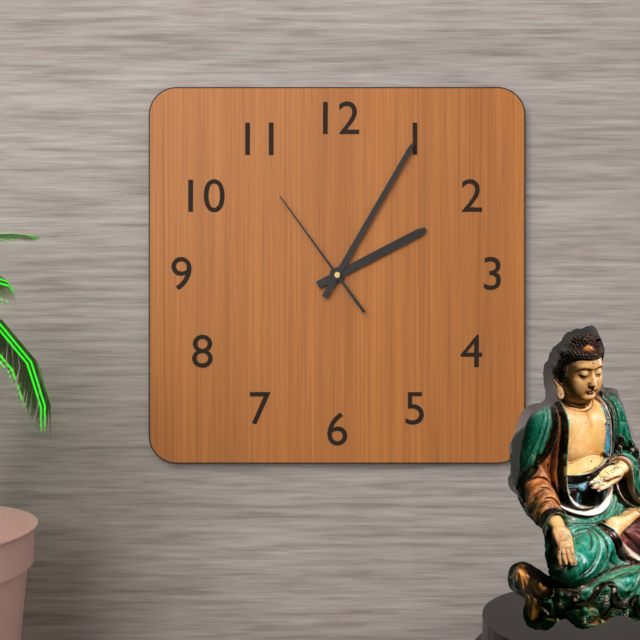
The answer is 2,05,54
